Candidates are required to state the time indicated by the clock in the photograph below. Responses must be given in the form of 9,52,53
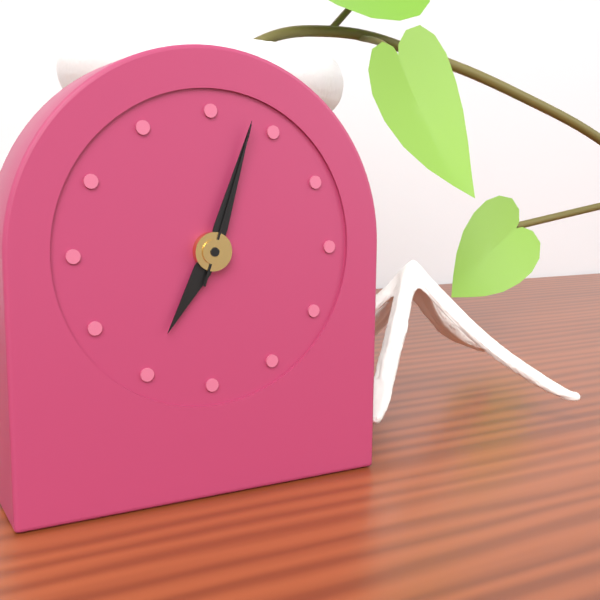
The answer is 7,03,03
